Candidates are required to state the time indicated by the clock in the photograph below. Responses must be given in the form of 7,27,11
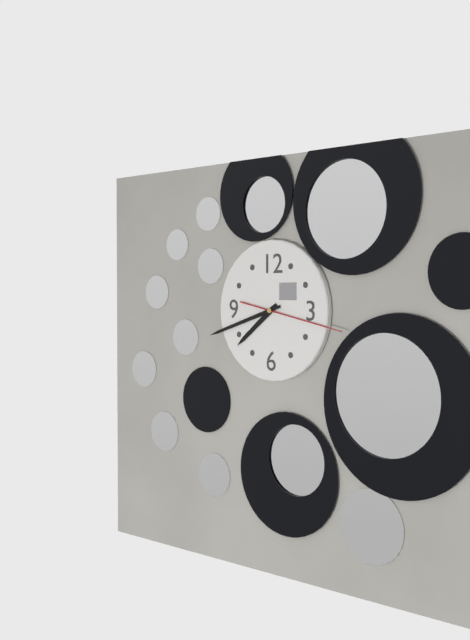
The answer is 7,42,17
